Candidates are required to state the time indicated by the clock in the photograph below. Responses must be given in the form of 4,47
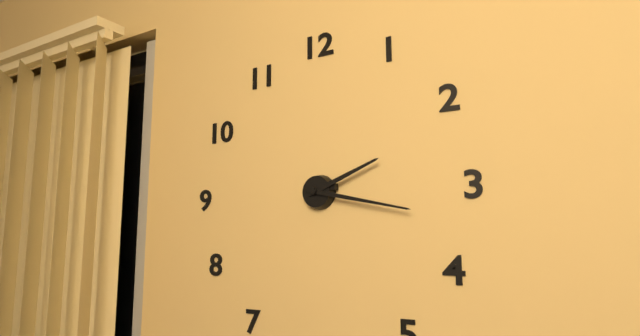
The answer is 2,17
